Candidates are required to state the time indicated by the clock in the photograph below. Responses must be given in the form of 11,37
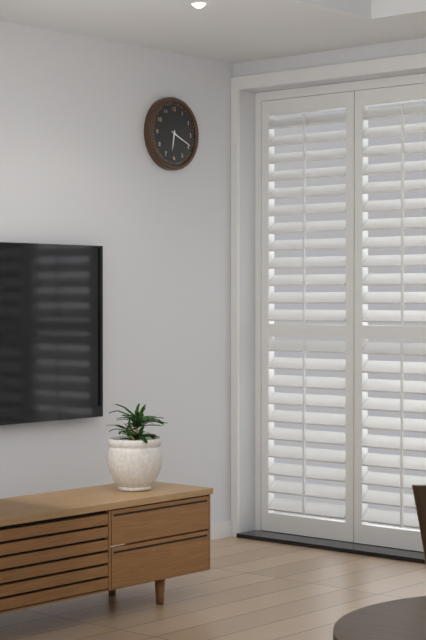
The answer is 6,19
